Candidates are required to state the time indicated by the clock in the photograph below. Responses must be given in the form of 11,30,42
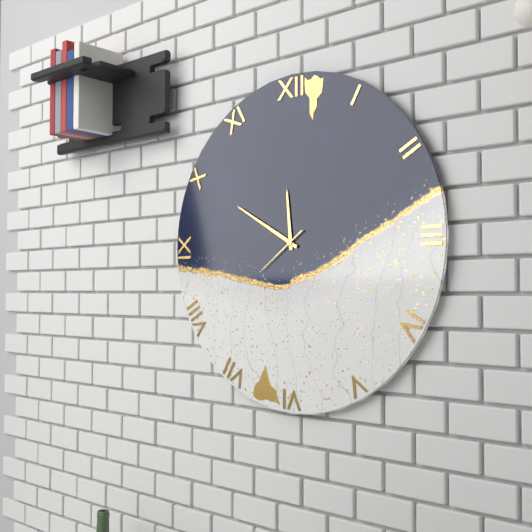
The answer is 11,50,39
